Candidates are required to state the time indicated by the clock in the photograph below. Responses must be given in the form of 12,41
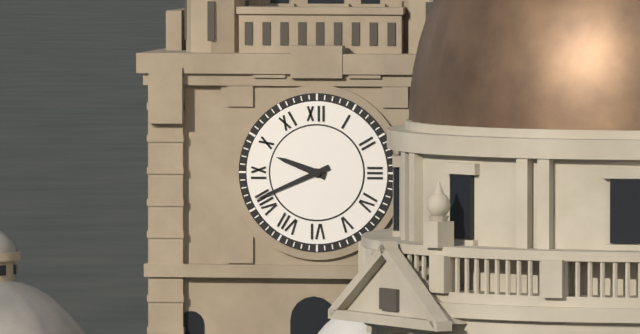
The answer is 9,41
